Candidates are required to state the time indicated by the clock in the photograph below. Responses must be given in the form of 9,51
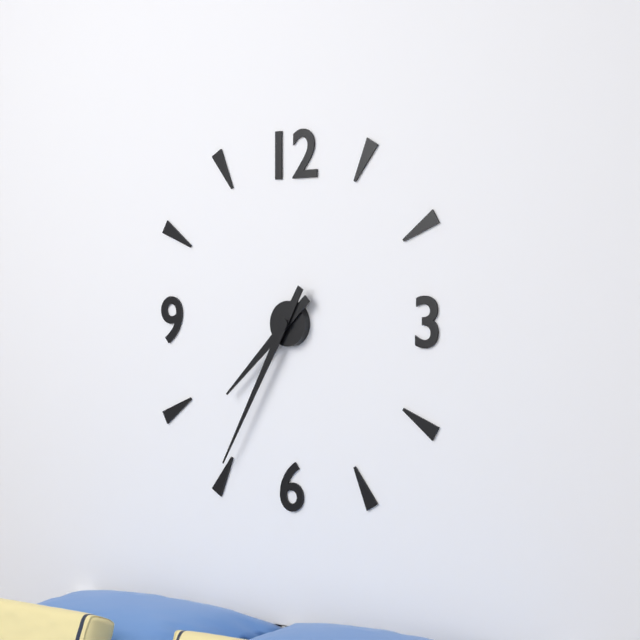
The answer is 7,35
